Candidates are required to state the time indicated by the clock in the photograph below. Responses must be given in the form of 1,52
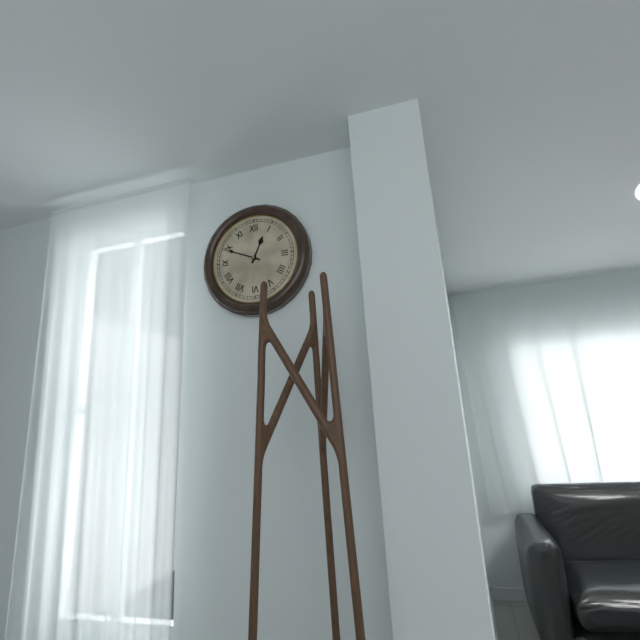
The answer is 12,49
